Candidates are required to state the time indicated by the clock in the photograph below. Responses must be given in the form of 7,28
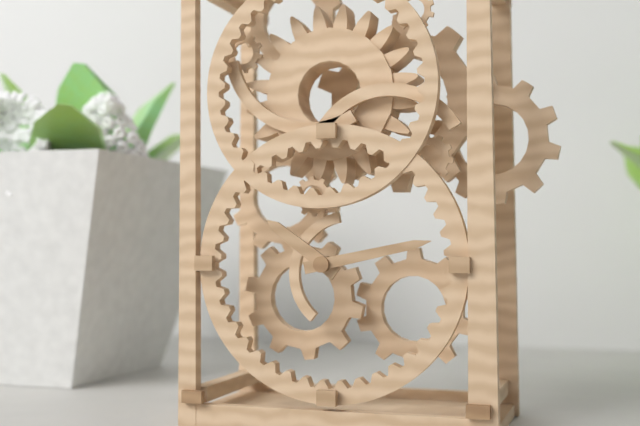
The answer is 10,13
